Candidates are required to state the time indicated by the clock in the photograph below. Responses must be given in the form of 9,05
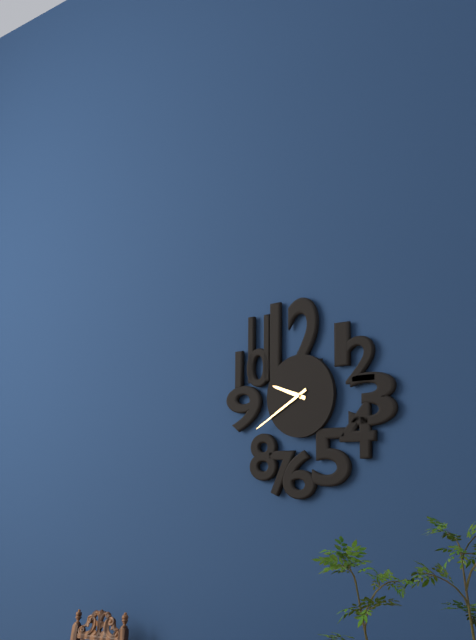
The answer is 9,40
